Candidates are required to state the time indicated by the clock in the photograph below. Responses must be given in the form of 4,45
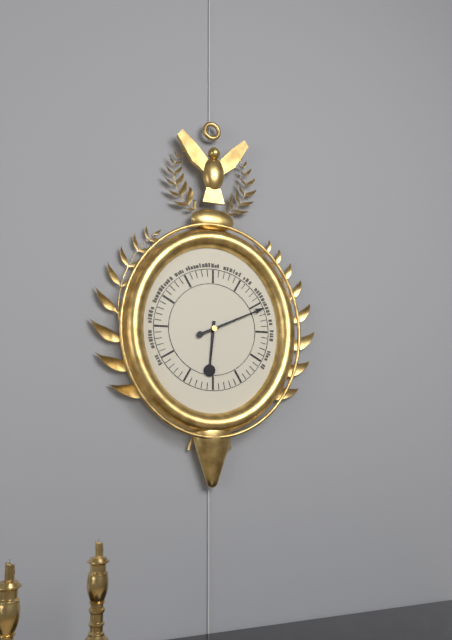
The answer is 6,11
